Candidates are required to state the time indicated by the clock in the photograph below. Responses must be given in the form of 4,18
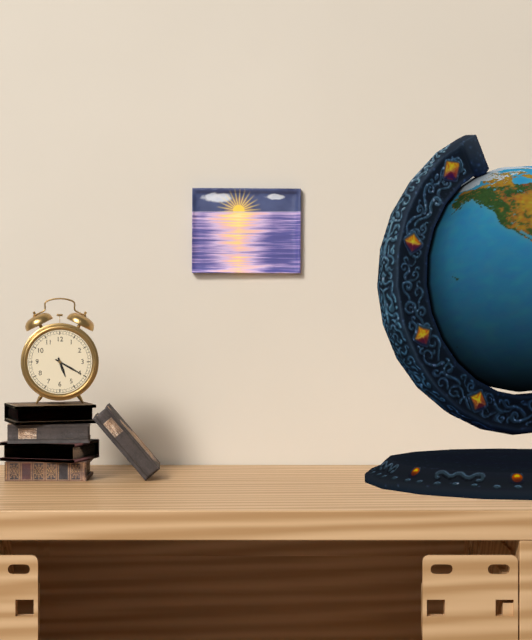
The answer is 5,20
